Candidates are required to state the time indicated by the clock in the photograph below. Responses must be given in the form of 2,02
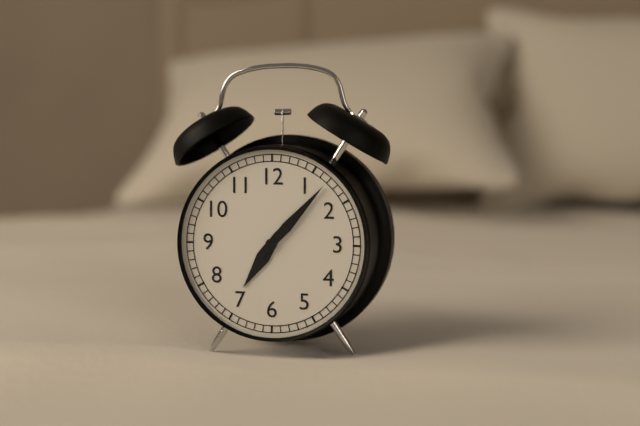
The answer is 7,07
